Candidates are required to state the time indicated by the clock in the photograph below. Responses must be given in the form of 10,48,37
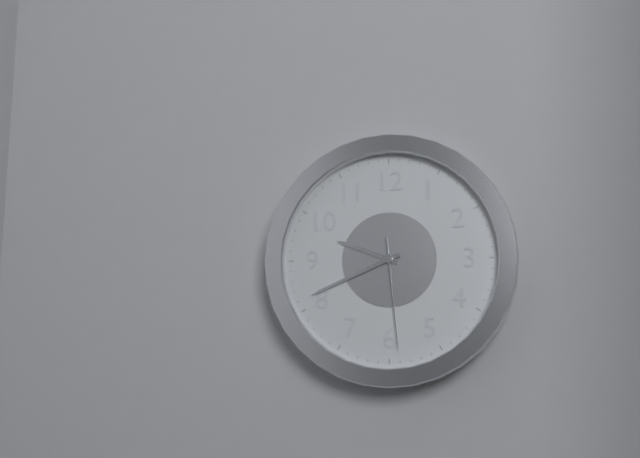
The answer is 9,41,29
